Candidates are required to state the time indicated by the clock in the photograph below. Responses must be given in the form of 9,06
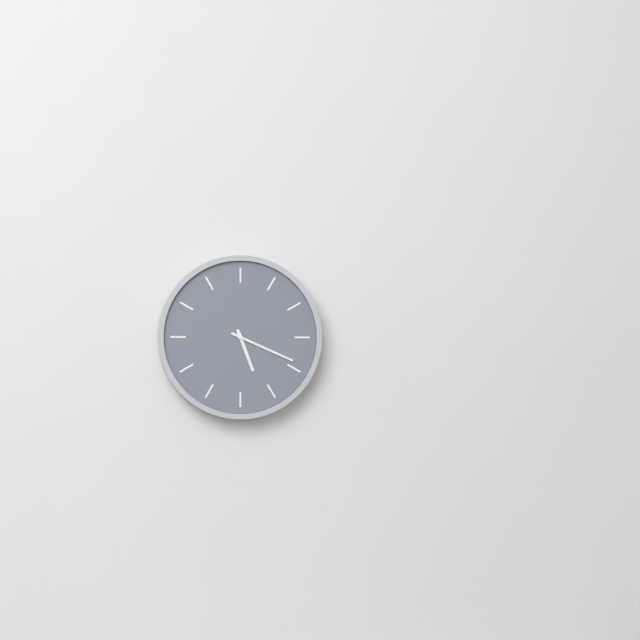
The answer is 5,19
